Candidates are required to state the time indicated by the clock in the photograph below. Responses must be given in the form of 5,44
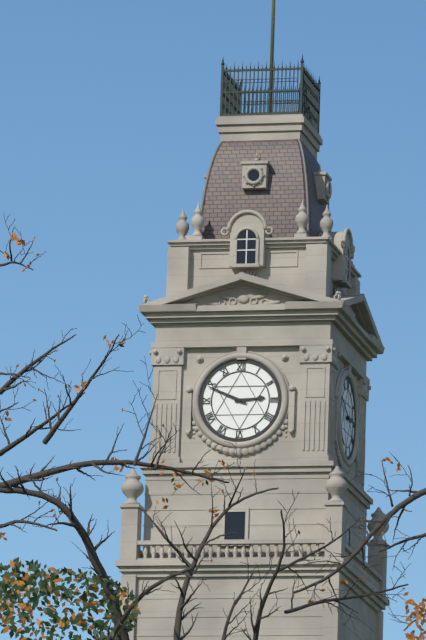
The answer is 2,49
